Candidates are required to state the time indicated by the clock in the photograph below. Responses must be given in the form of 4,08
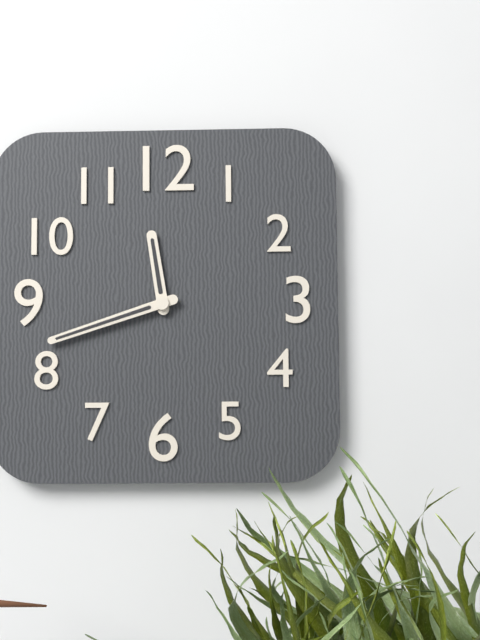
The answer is 11,42
